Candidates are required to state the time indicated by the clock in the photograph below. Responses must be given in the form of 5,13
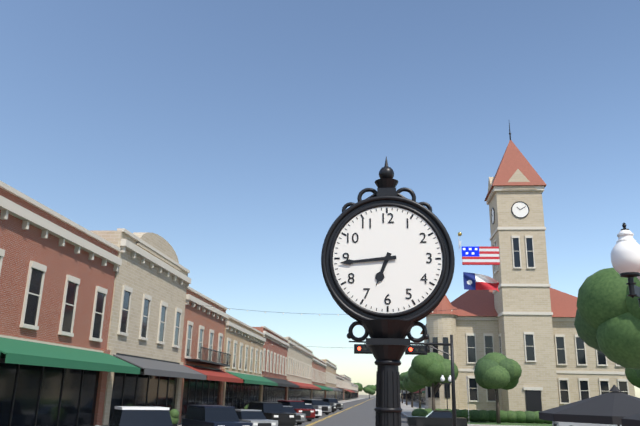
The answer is 6,44
